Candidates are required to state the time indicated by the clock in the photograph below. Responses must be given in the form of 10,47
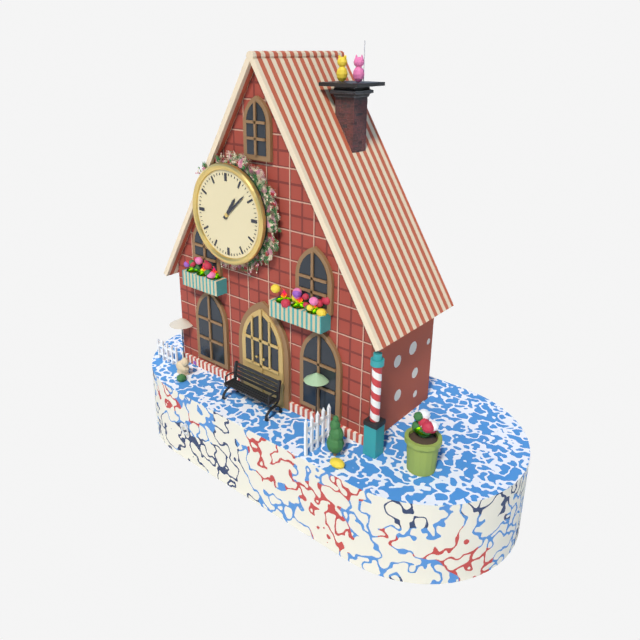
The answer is 1,08
